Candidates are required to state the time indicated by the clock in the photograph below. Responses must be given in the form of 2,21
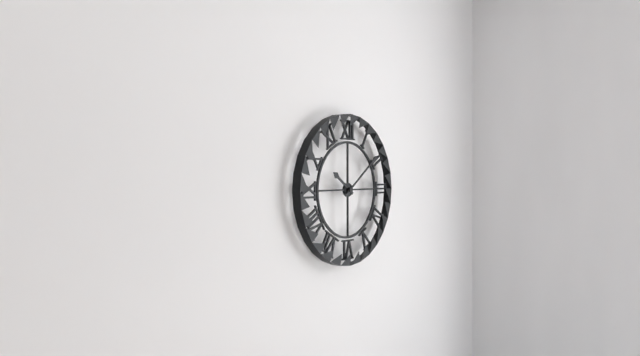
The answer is 10,09
